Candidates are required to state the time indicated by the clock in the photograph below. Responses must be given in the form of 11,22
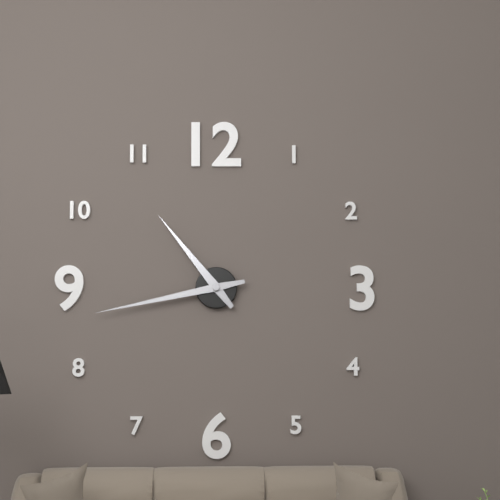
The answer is 10,43
